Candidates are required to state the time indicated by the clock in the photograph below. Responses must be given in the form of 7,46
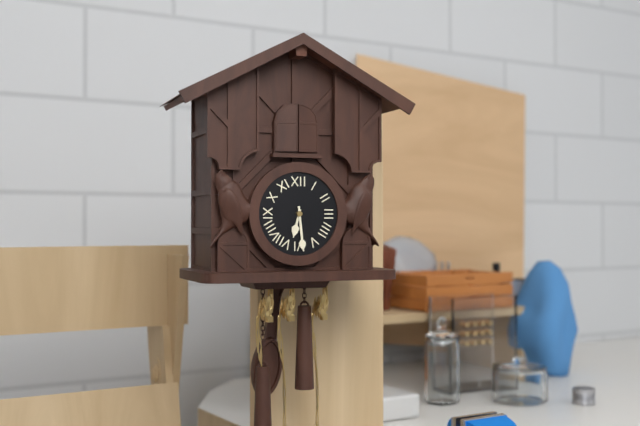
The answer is 6,29
